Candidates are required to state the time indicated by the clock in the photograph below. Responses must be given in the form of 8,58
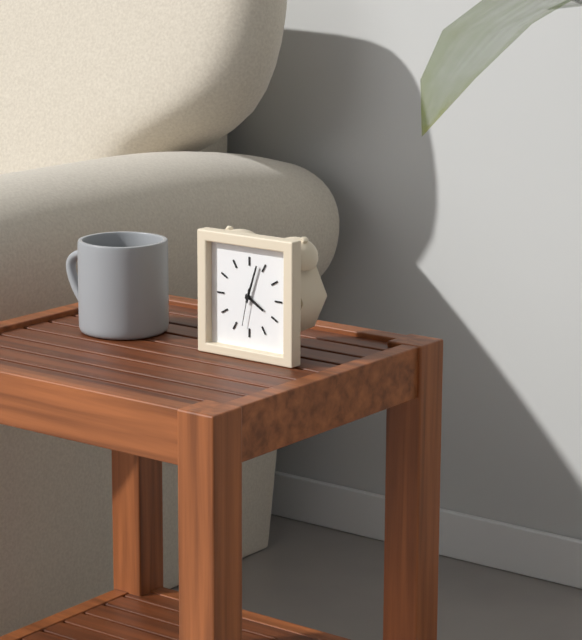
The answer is 4,03
